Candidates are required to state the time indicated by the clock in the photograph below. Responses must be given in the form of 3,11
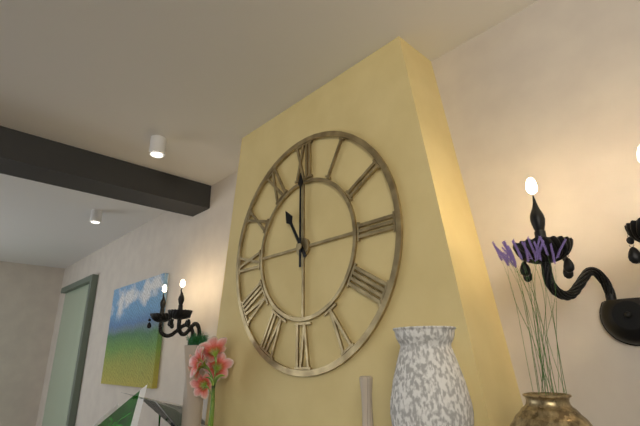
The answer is 11,00
